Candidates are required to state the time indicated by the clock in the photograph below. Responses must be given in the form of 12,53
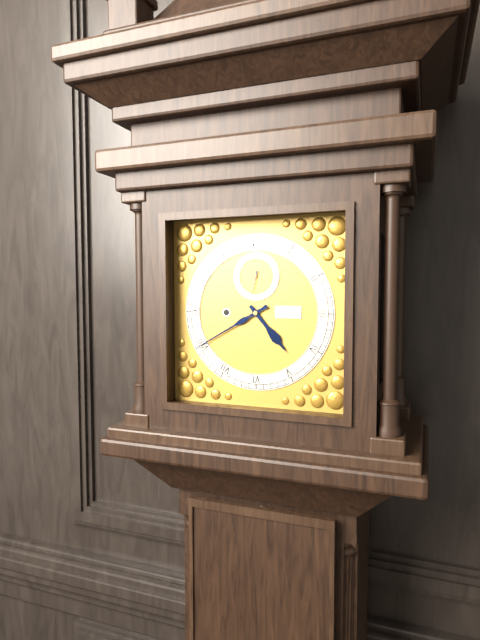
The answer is 4,40
